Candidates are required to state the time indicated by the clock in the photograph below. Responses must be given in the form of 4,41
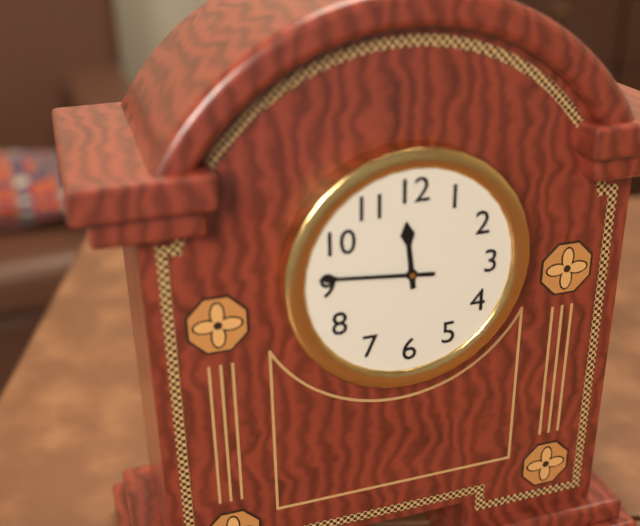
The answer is 11,46
